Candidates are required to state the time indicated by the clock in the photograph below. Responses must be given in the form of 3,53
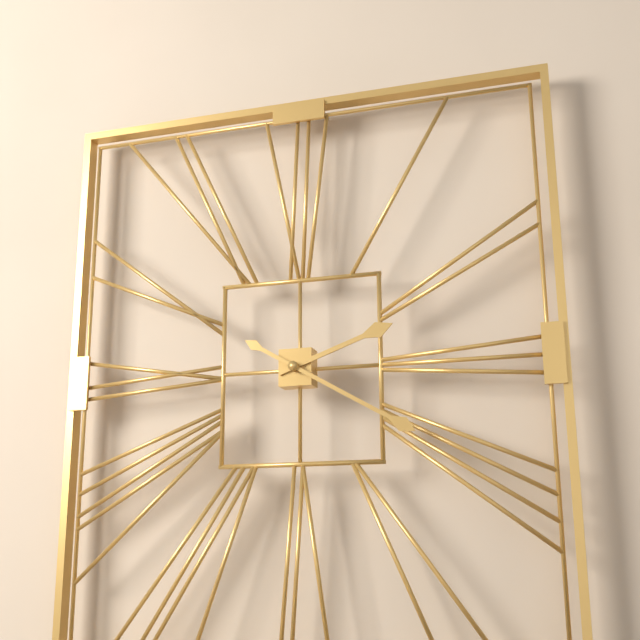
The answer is 2,20
